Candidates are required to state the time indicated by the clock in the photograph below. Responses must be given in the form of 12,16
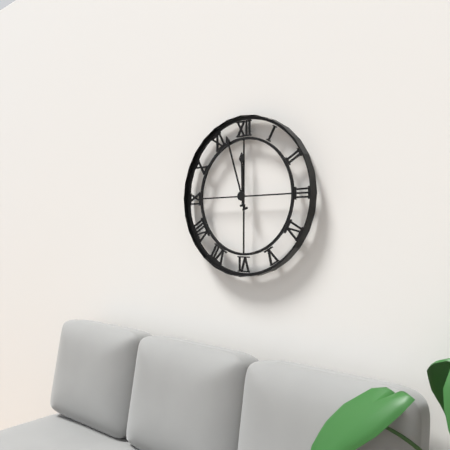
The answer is 11,57
